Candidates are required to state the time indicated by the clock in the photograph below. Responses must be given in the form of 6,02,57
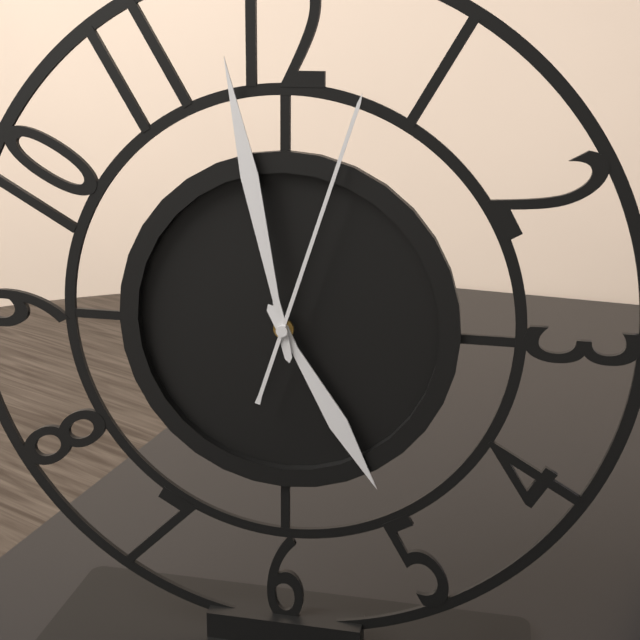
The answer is 4,58,03
